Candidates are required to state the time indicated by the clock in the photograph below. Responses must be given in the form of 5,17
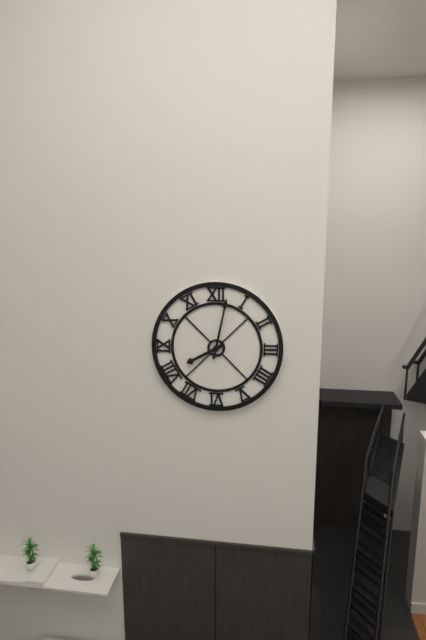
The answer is 8,02
